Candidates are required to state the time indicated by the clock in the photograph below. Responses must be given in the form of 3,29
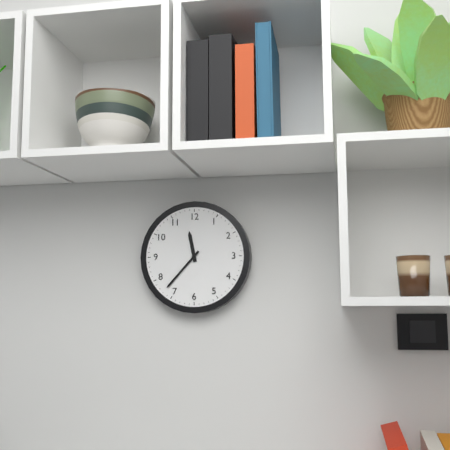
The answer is 11,37
